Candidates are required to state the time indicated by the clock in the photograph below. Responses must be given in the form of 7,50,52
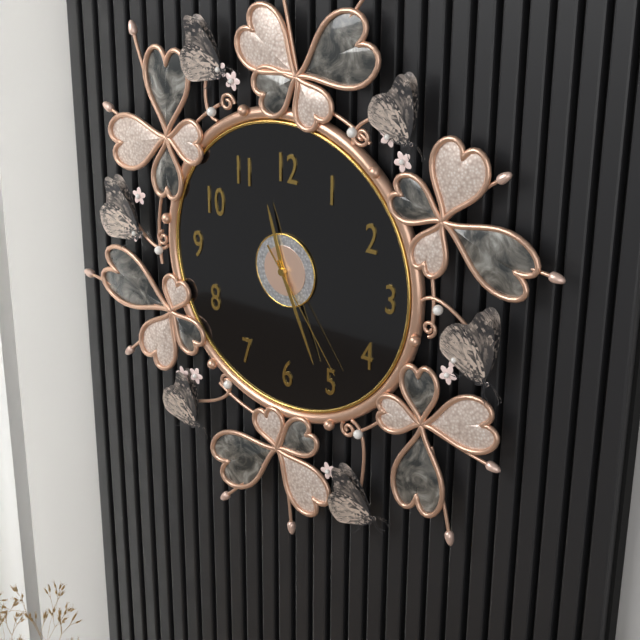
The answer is 11,26,24
